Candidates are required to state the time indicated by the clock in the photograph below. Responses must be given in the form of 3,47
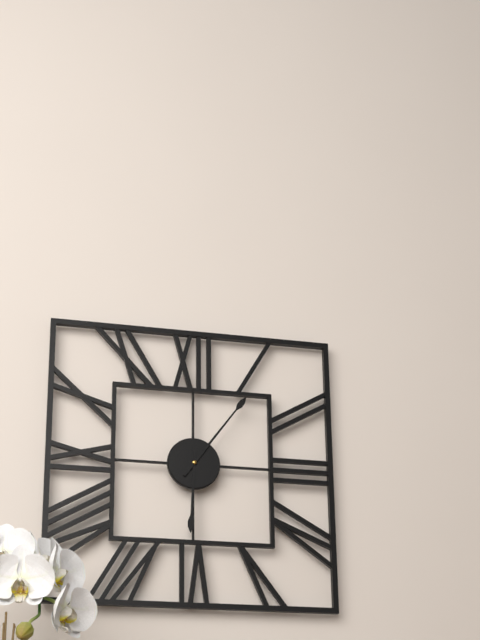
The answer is 6,06
